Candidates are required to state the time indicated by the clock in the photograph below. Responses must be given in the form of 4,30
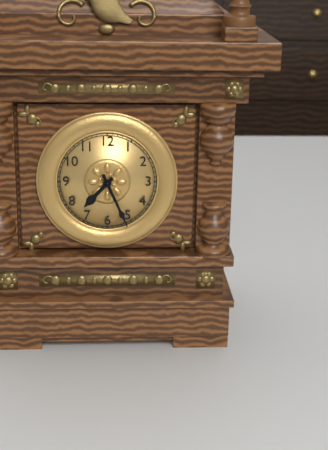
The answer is 7,26
